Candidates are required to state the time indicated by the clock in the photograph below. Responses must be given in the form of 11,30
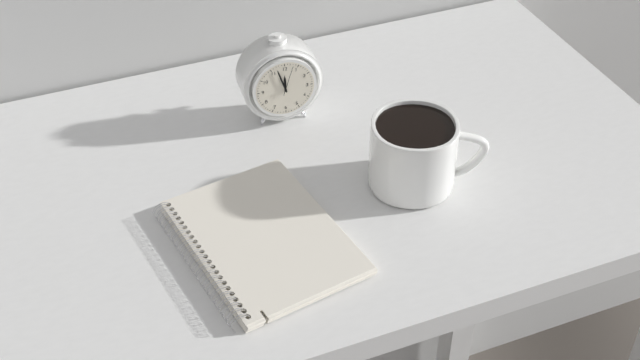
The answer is 11,57
